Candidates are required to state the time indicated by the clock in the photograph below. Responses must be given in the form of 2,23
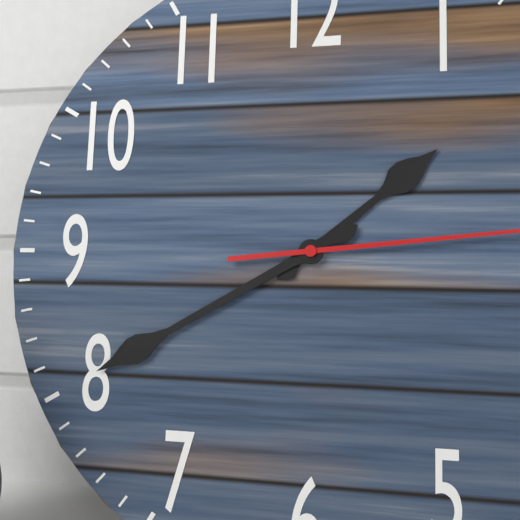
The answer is 1,40
